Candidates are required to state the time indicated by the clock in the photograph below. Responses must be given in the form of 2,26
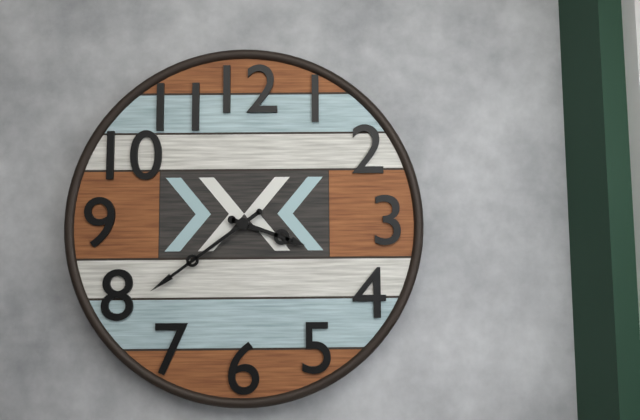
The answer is 3,39
